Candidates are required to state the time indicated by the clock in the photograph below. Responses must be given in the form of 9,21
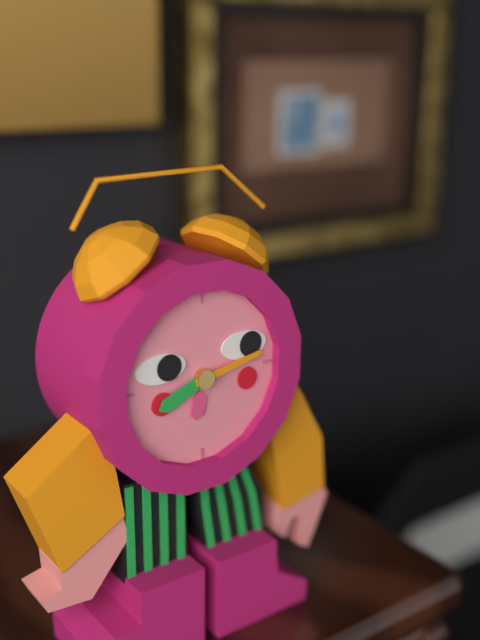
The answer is 8,13
